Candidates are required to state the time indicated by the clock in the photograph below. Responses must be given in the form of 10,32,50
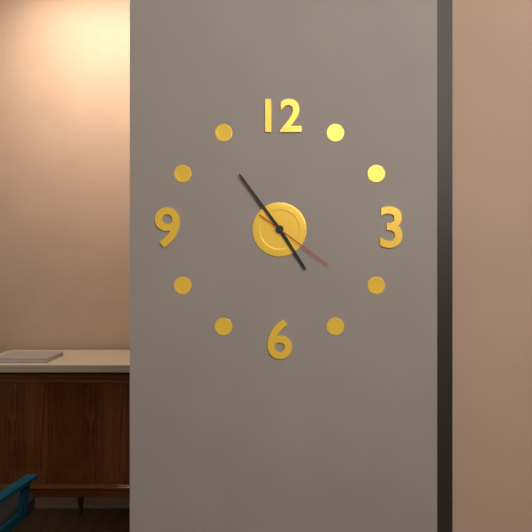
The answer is 4,54,21
